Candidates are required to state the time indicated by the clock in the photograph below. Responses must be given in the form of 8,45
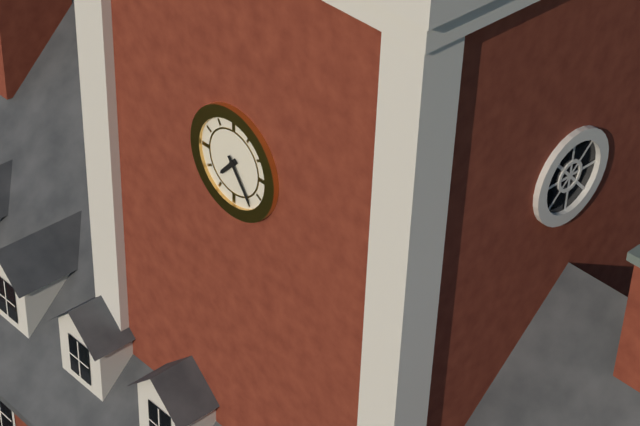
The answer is 7,24
